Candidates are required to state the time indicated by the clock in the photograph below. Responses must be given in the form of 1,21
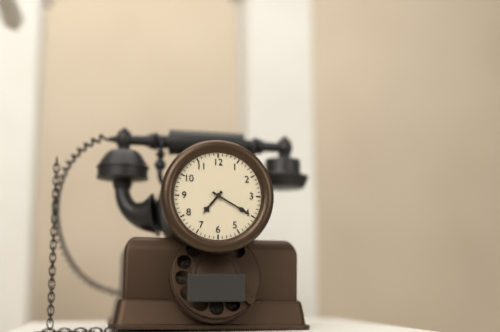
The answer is 7,20
